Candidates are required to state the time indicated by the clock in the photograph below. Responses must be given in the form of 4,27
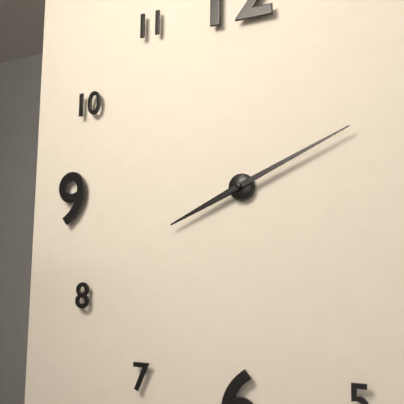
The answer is 8,11
